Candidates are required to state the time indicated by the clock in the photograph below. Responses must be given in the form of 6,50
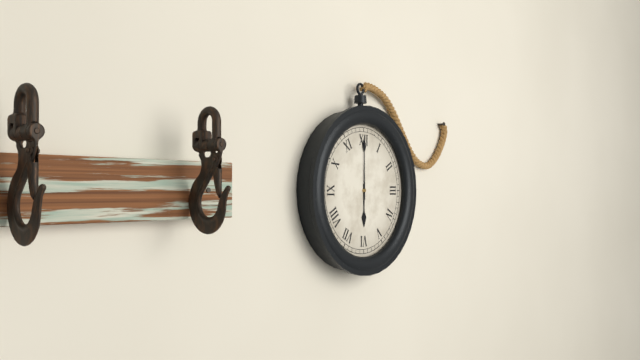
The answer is 6,00
